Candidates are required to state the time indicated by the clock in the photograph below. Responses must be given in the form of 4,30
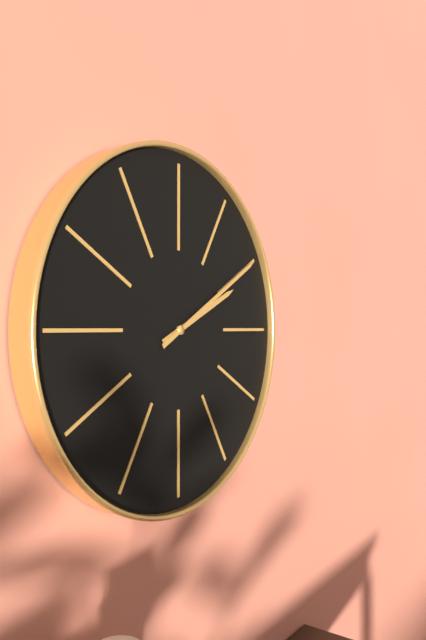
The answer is 2,10
